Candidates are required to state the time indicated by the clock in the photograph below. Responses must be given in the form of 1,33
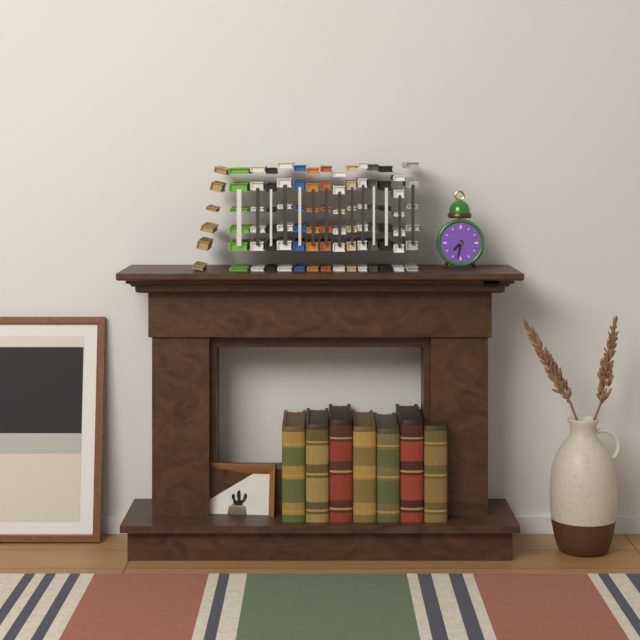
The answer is 7,32
